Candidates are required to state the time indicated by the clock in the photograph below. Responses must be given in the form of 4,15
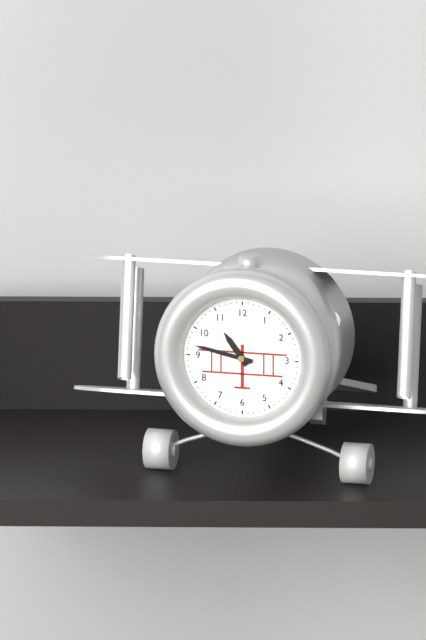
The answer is 10,47
